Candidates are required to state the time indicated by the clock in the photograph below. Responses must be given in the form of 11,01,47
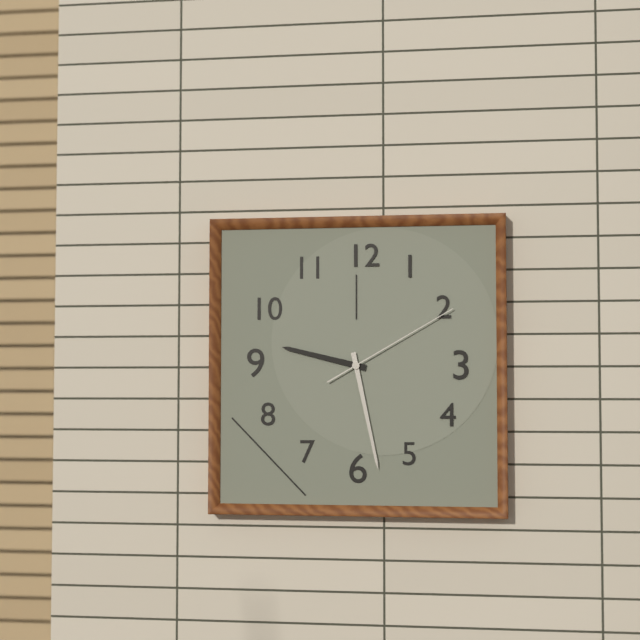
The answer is 9,28,10
